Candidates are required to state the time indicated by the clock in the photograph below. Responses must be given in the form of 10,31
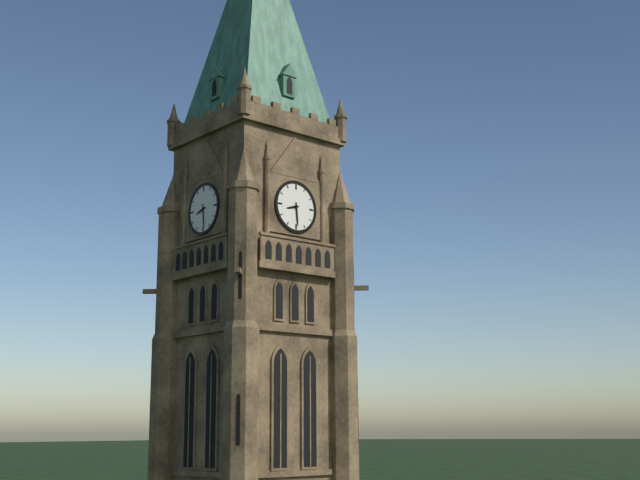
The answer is 8,29
